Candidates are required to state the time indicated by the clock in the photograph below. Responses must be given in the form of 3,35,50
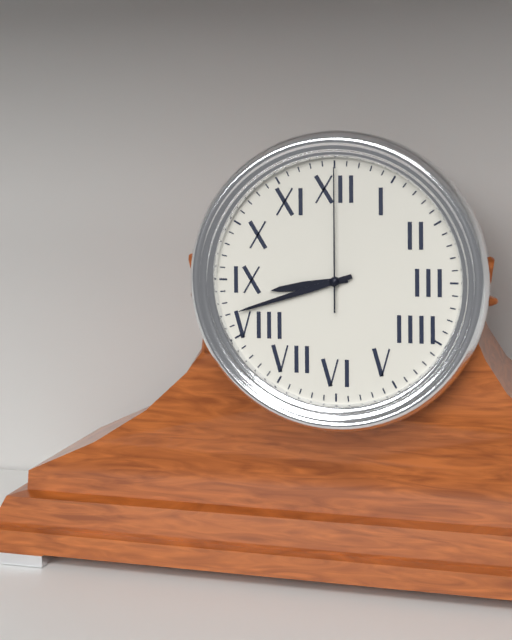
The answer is 8,42,00
